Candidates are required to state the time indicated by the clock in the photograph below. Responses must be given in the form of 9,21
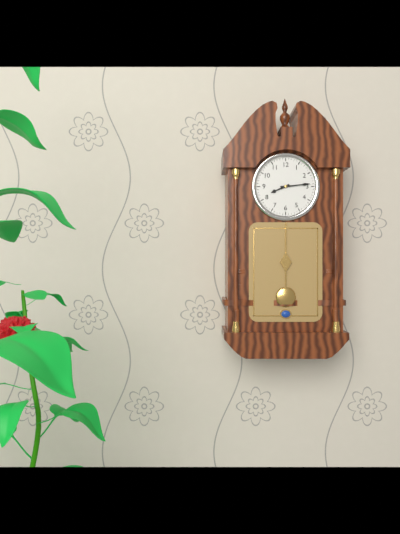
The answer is 8,14
